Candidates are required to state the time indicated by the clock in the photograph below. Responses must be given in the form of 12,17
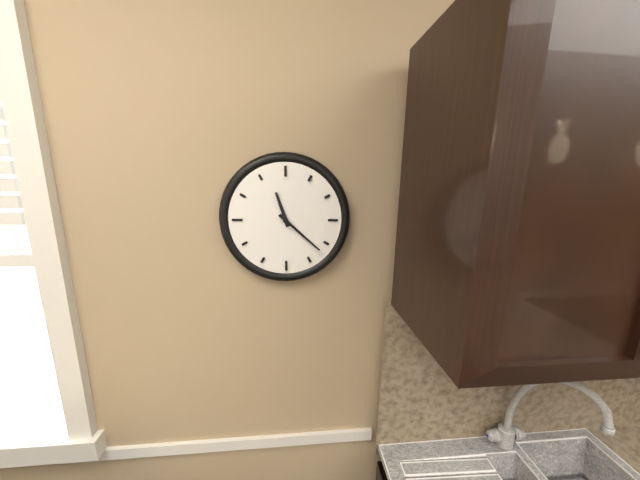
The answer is 11,22
